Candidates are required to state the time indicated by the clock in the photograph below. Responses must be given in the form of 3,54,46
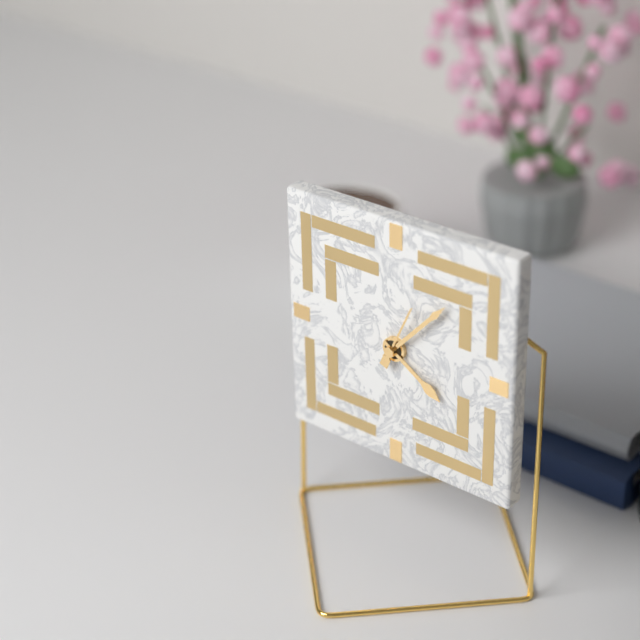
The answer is 4,07,04
